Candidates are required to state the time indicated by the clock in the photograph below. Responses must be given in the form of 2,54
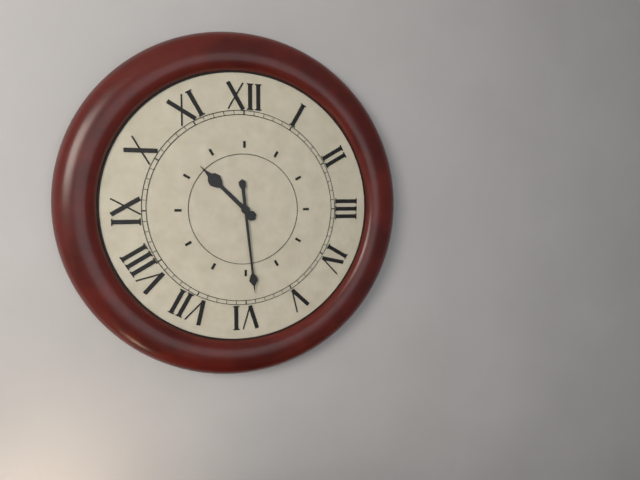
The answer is 10,29
